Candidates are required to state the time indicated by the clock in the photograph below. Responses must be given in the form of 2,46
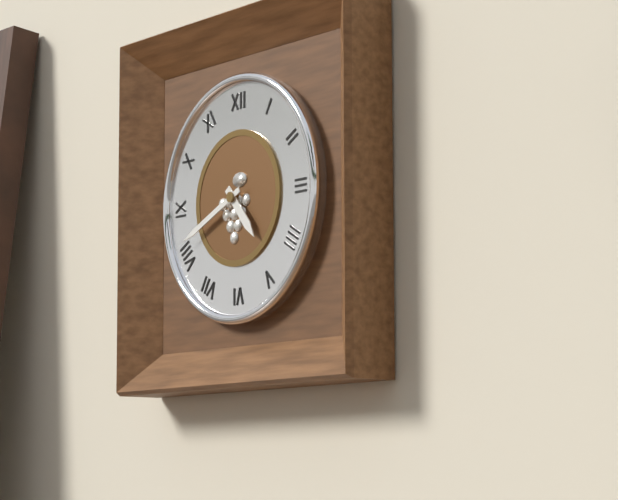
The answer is 4,41
